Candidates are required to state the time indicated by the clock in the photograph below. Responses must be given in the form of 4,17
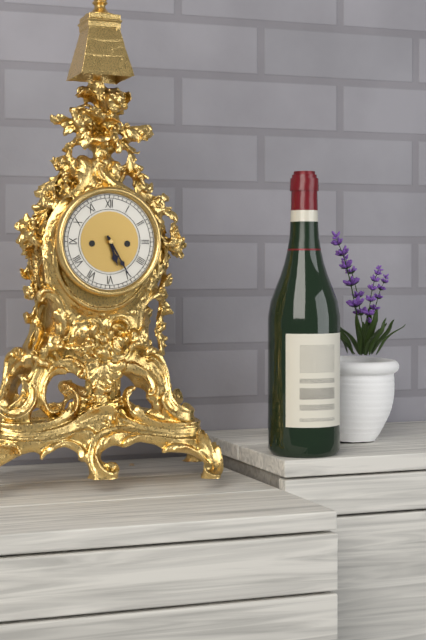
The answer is 5,25
